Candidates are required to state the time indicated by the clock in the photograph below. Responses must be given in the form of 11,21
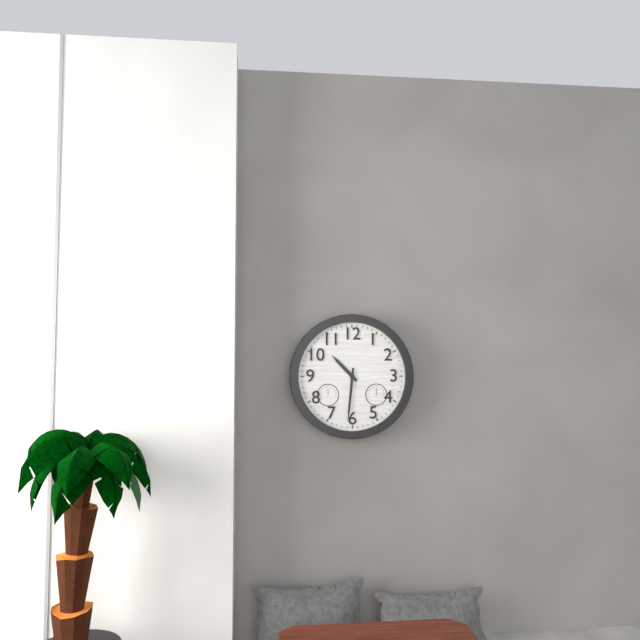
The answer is 10,31
